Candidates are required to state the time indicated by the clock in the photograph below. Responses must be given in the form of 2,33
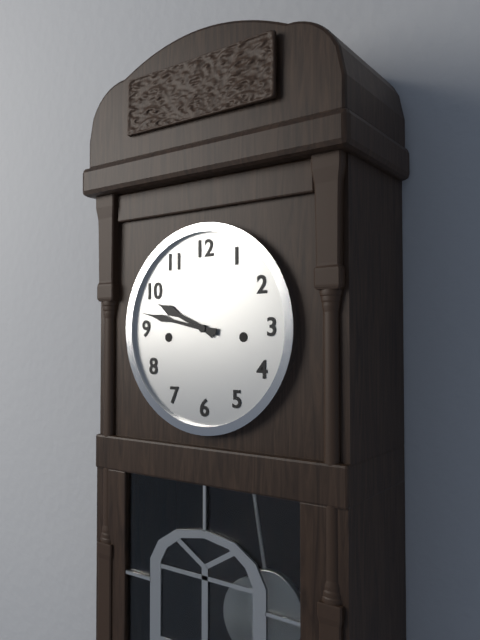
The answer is 9,47
